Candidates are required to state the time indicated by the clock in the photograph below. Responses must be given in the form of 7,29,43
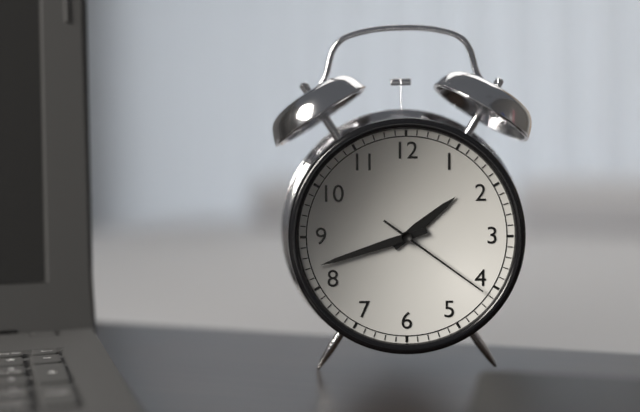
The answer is 1,42,21
